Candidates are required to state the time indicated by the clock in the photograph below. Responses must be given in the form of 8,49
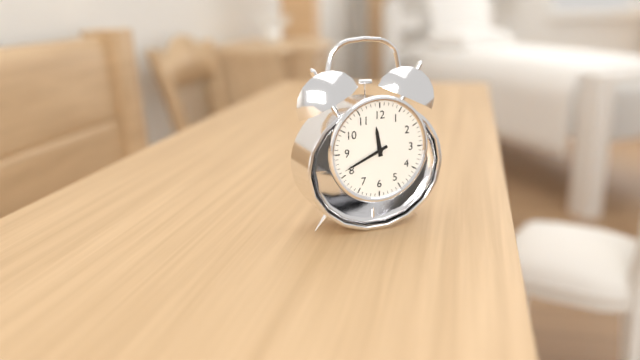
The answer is 11,41
